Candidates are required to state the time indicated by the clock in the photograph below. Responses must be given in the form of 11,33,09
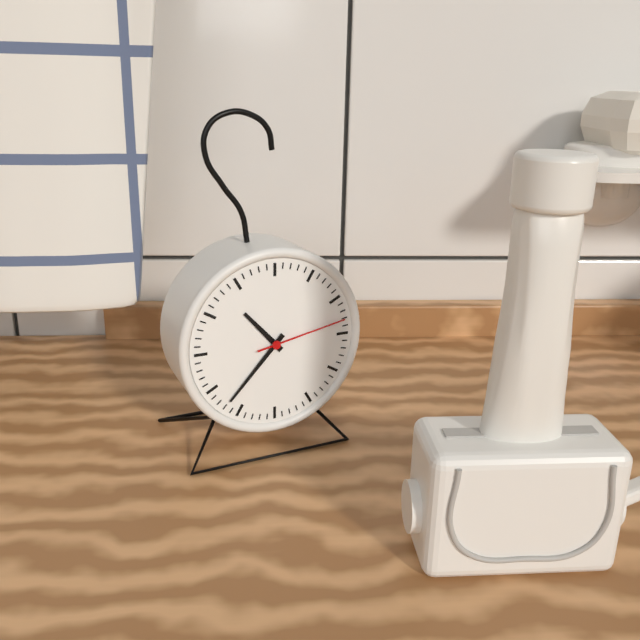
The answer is 10,37,13
